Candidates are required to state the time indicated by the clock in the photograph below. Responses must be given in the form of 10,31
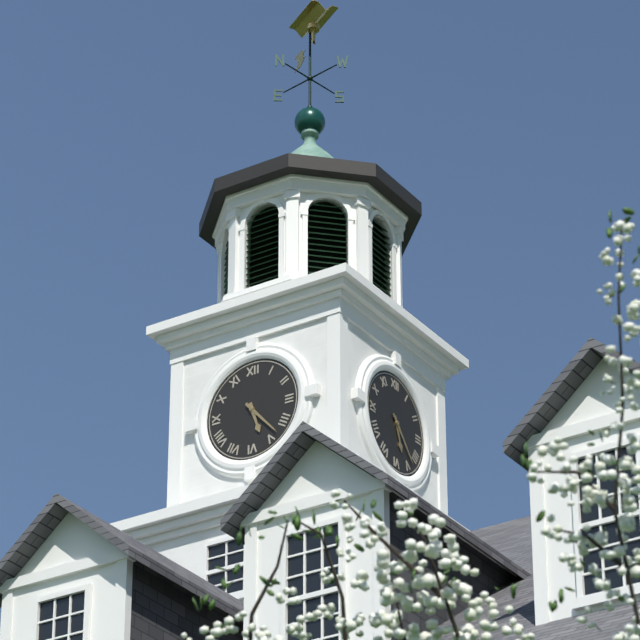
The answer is 5,23
